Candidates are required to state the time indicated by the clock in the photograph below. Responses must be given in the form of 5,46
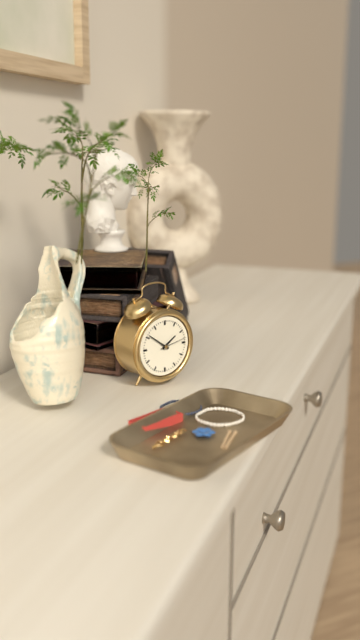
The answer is 1,51
